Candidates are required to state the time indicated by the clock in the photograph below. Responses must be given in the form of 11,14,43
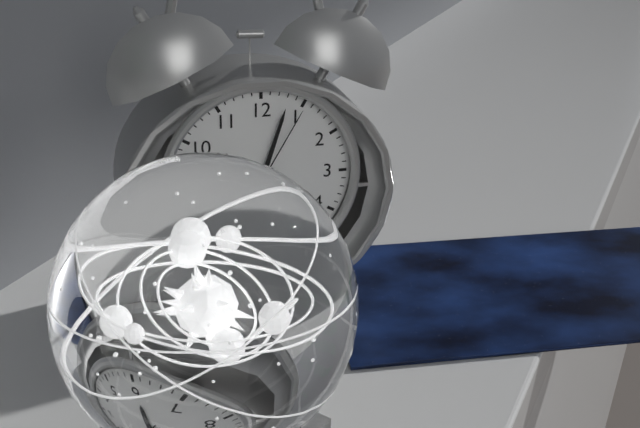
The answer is 6,03,05
